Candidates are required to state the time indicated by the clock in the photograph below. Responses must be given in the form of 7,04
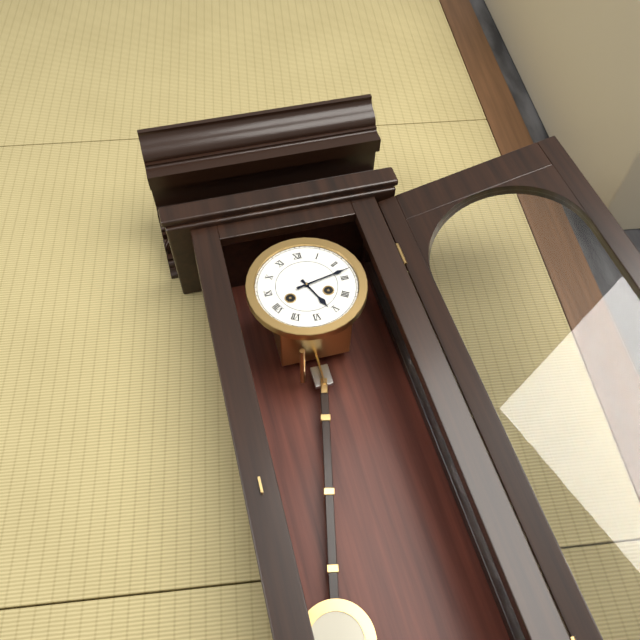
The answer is 5,13
